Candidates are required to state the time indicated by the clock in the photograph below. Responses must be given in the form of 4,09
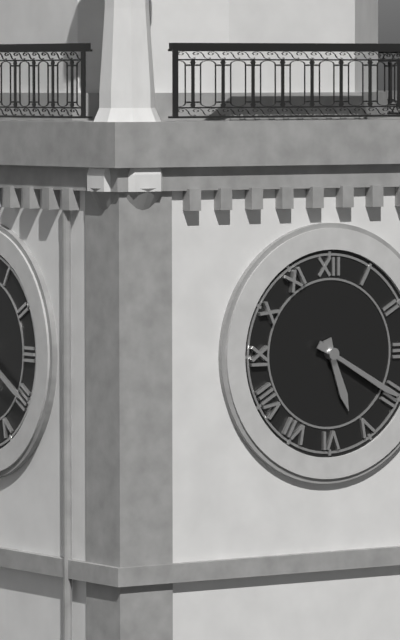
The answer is 5,20
